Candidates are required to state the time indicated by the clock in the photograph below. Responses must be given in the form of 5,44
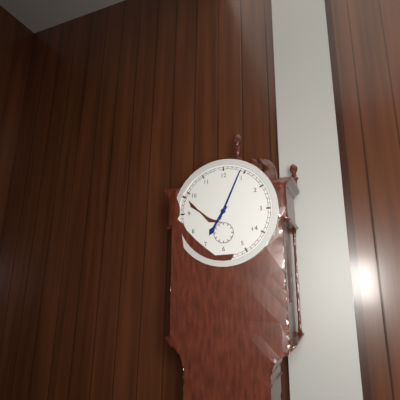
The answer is 7,04
